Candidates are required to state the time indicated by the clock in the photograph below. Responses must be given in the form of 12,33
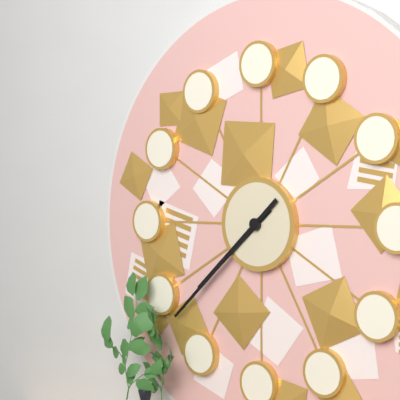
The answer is 7,38
